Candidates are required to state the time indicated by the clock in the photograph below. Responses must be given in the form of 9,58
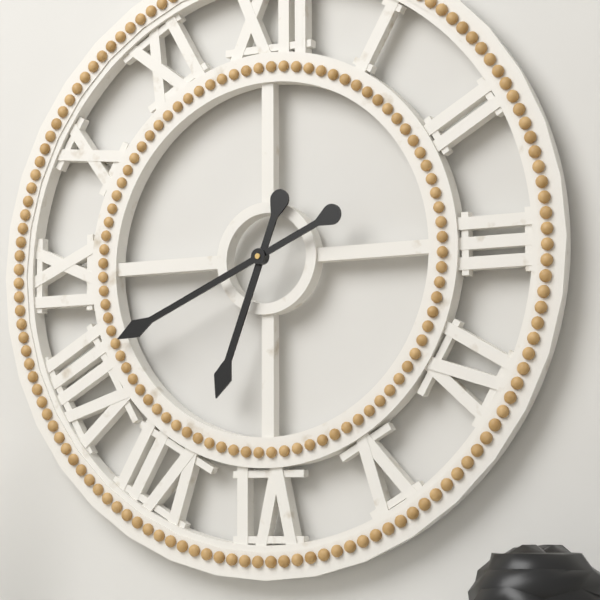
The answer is 6,41
